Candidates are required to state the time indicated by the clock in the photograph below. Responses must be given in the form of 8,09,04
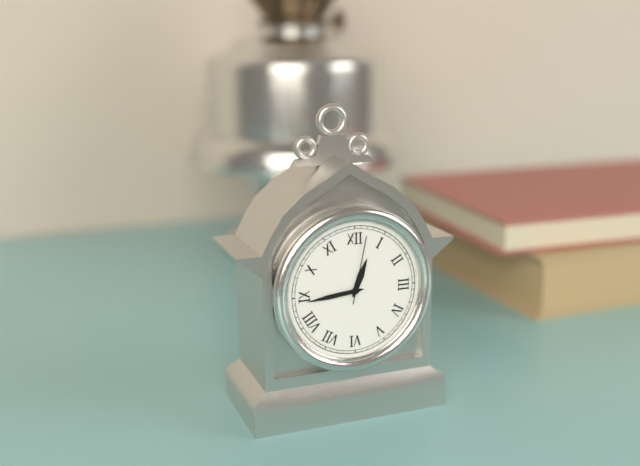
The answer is 12,44,02
